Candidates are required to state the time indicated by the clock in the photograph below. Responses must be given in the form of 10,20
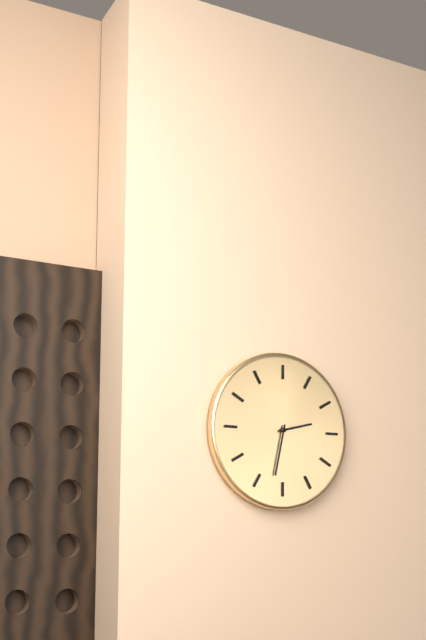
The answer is 2,32
